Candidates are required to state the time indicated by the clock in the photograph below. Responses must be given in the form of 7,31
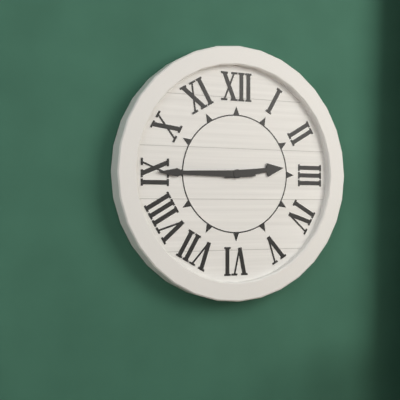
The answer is 2,45
